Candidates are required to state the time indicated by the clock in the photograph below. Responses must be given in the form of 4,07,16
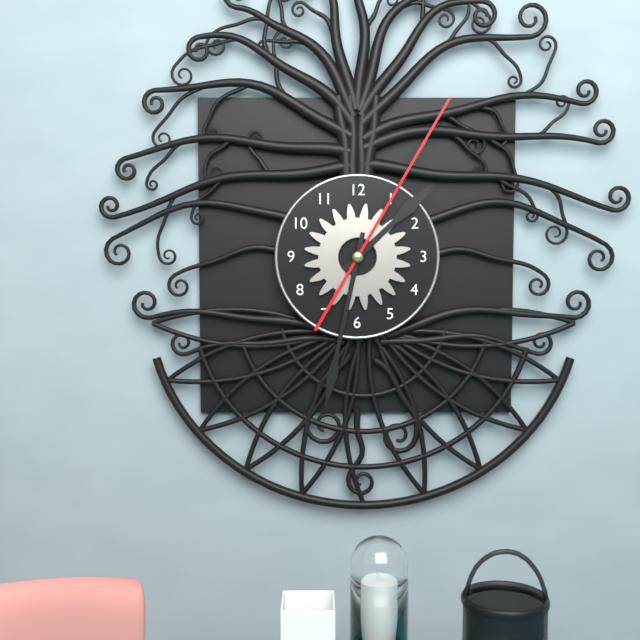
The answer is 1,32,05
